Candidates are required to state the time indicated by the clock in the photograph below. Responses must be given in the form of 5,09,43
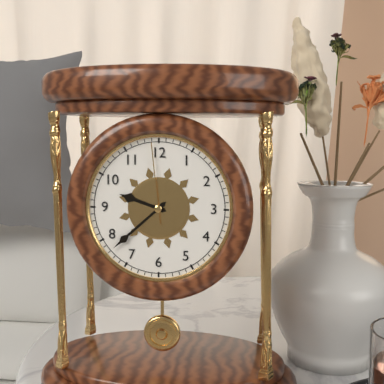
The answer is 9,38,59
